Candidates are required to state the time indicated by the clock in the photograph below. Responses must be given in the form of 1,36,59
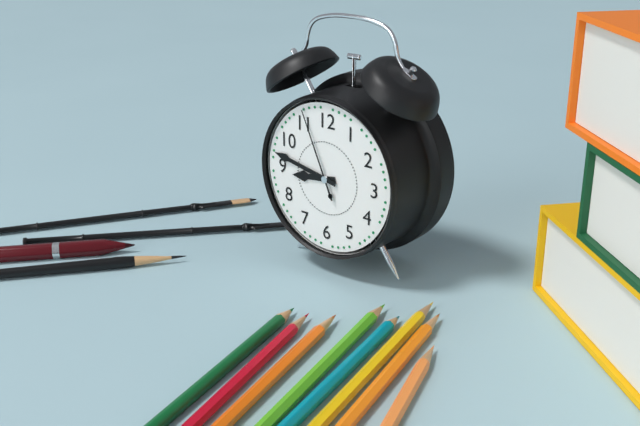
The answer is 8,47,56
